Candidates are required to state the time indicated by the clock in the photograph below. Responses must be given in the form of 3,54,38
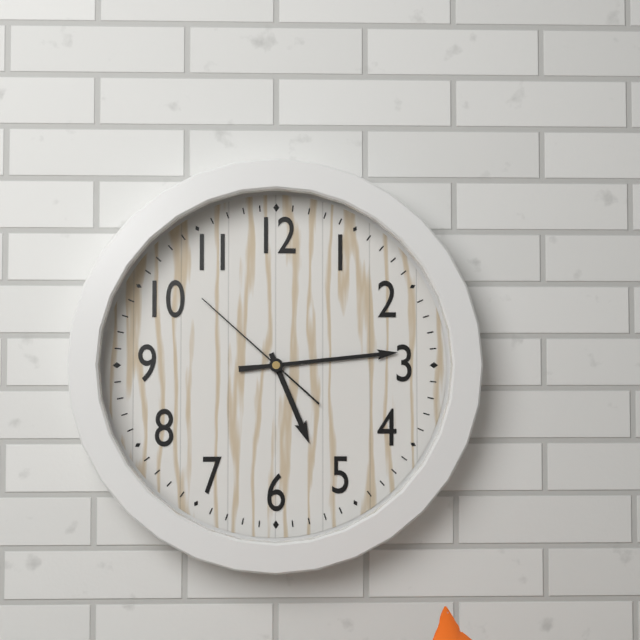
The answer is 5,14,52
